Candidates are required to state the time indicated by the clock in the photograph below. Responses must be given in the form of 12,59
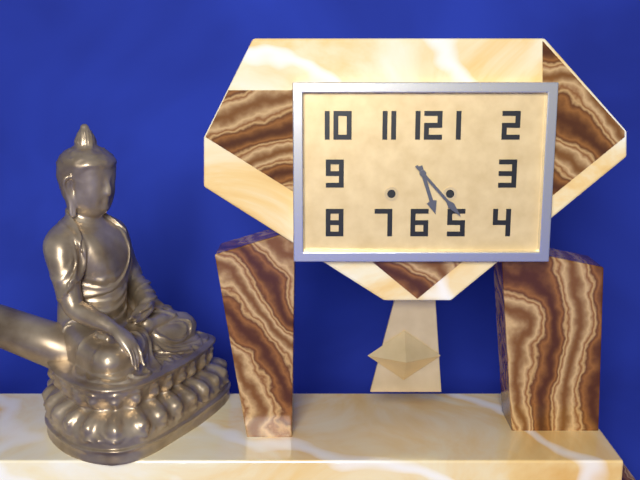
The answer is 5,23
